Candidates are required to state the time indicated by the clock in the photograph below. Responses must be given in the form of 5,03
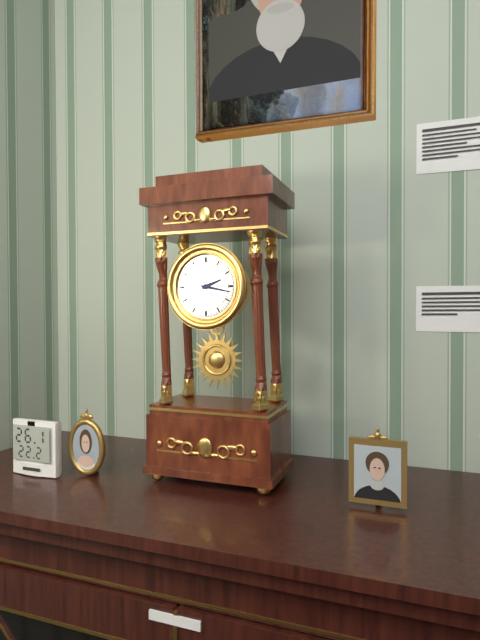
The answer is 2,17
